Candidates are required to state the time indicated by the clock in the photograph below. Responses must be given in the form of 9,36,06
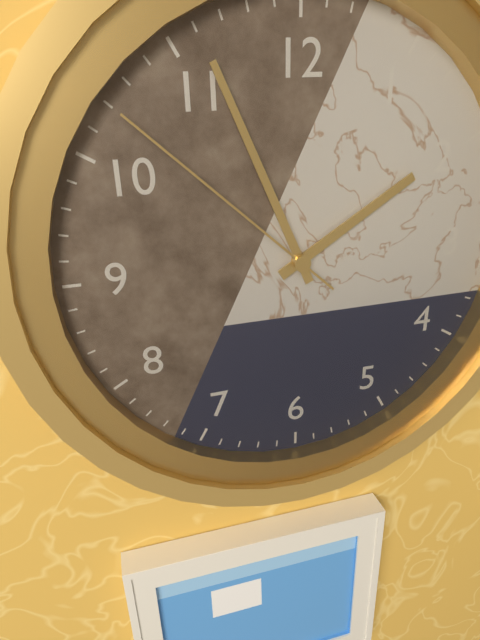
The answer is 1,56,52
